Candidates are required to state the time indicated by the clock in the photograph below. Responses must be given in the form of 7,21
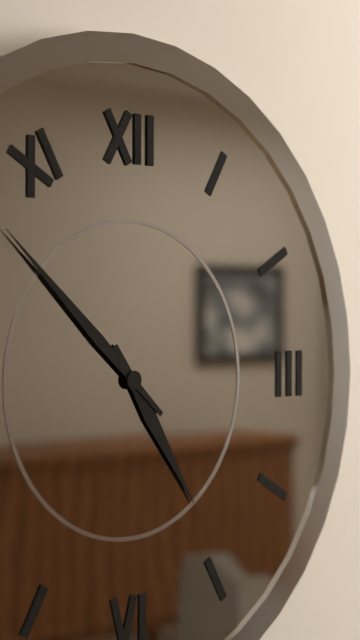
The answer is 4,52
